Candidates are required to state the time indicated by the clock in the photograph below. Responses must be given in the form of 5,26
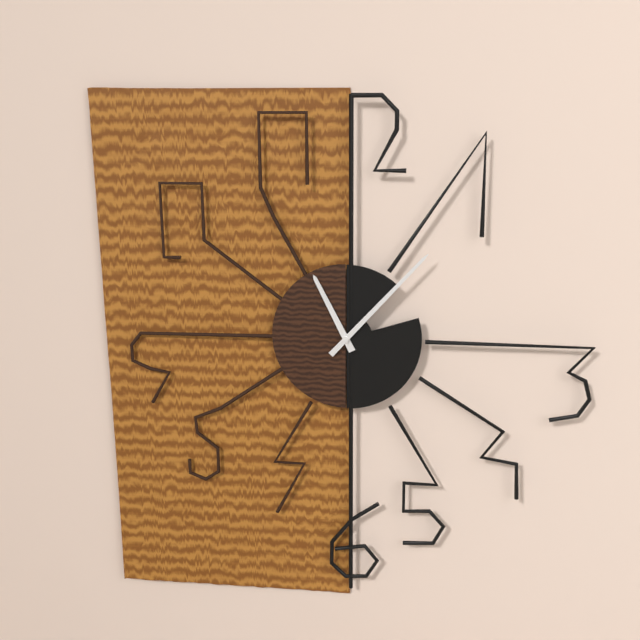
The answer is 11,07
